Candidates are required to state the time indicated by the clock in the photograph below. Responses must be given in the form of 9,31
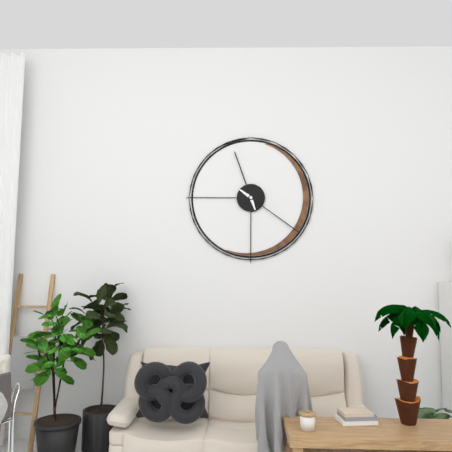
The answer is 11,21
